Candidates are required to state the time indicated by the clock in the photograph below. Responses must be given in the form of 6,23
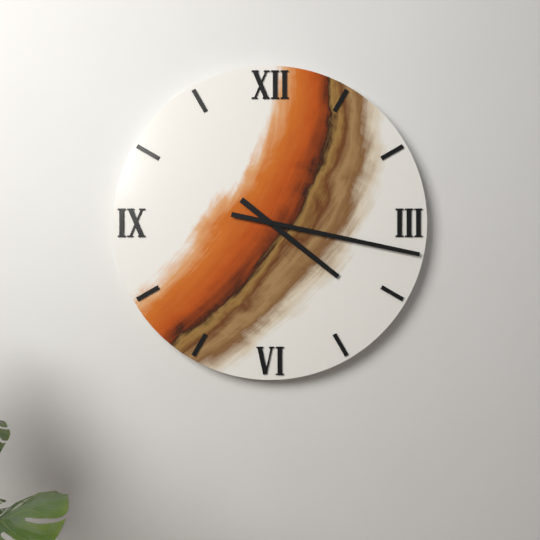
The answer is 4,17
